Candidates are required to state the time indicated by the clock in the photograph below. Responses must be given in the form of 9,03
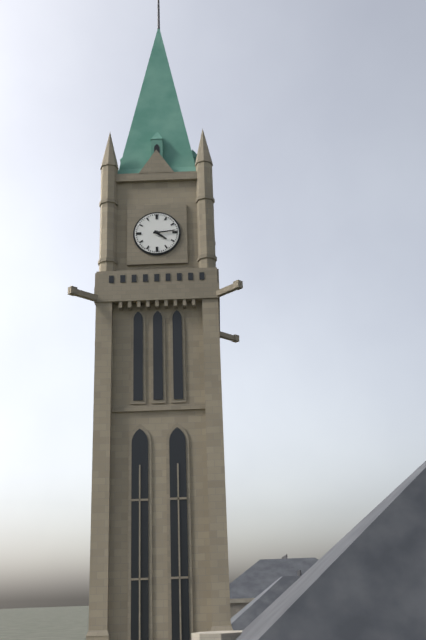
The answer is 4,14
